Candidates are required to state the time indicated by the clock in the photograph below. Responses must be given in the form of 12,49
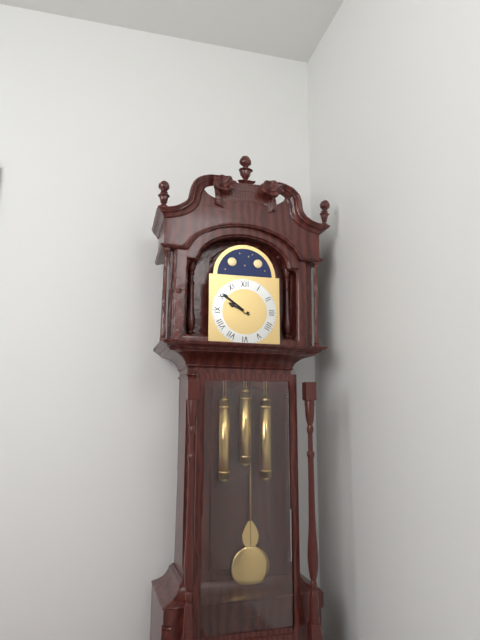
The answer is 9,51
